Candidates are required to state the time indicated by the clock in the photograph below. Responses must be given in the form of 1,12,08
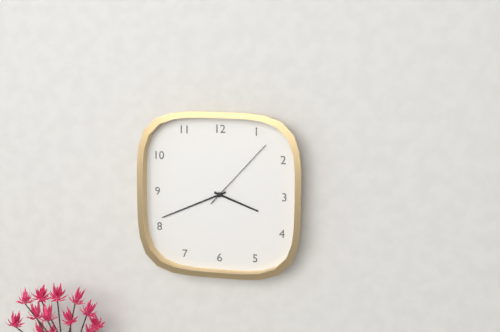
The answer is 3,41,07
